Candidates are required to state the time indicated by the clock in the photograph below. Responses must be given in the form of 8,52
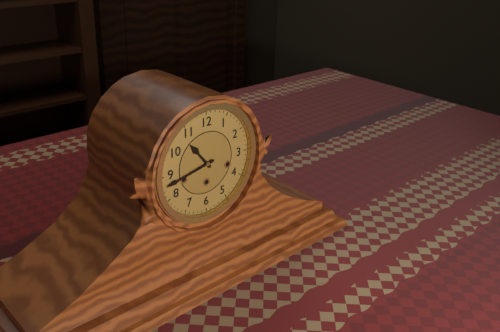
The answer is 10,43
